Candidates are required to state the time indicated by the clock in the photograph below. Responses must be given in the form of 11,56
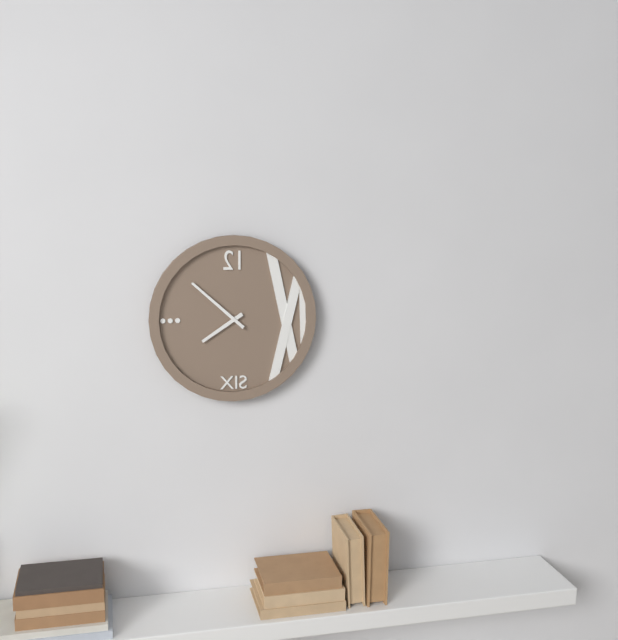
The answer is 7,52
